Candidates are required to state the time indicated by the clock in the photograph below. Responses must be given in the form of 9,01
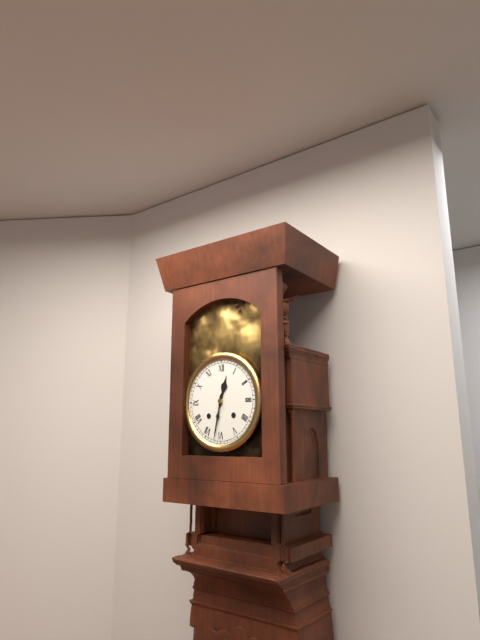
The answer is 12,32
